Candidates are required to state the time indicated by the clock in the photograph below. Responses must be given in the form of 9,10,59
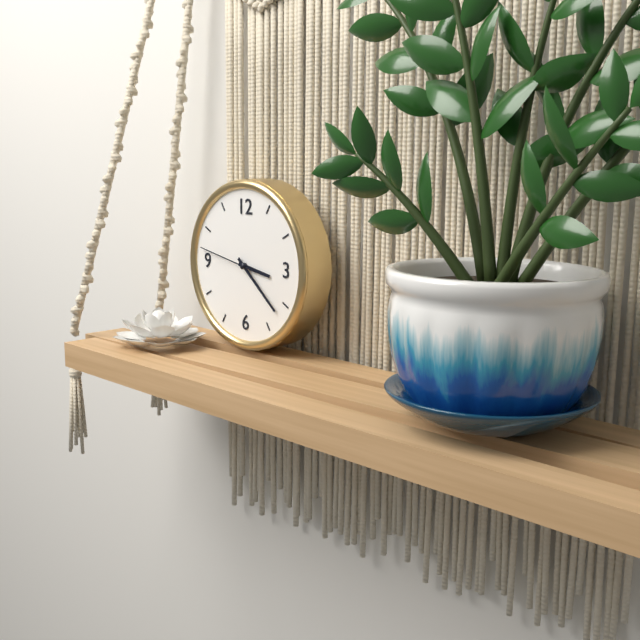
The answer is 3,22,47
